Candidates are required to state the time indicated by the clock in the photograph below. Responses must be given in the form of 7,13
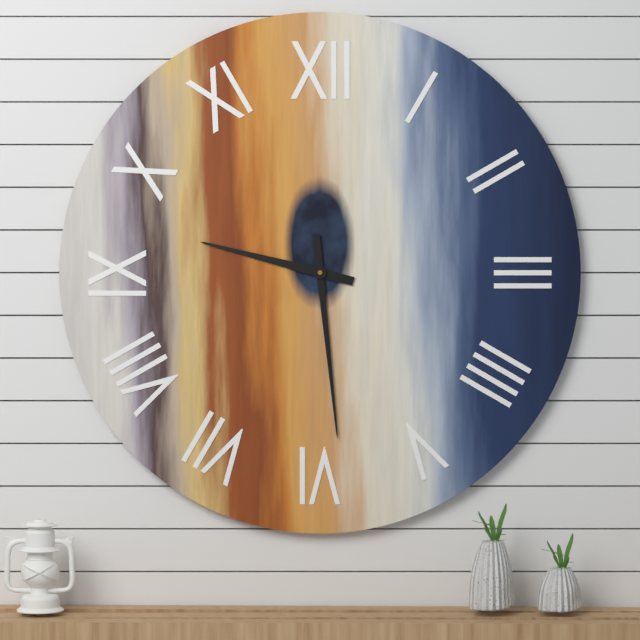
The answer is 9,29
